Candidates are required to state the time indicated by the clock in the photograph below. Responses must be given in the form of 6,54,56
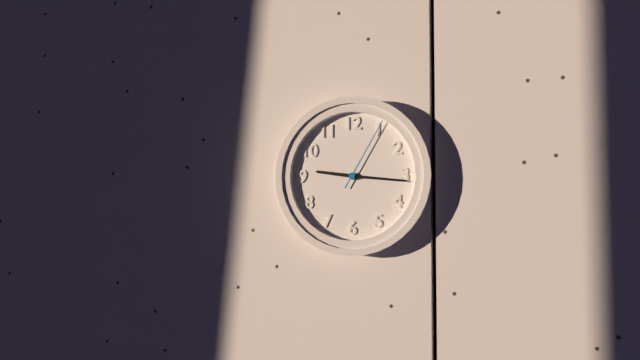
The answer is 9,16,05
